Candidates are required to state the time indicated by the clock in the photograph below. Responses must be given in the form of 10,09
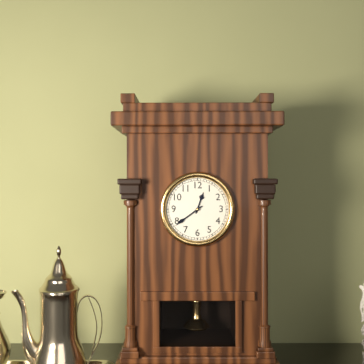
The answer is 12,39
